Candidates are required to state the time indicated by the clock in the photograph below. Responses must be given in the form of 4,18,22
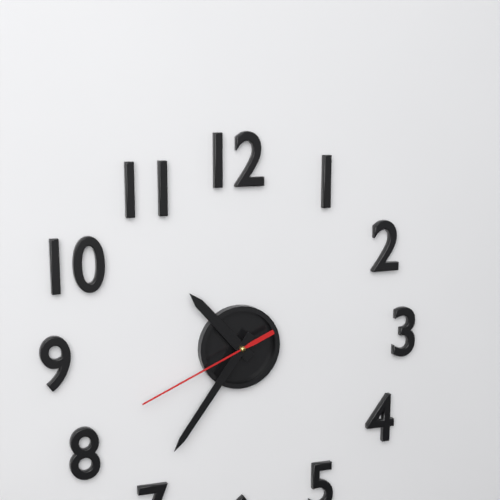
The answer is 10,36,41
